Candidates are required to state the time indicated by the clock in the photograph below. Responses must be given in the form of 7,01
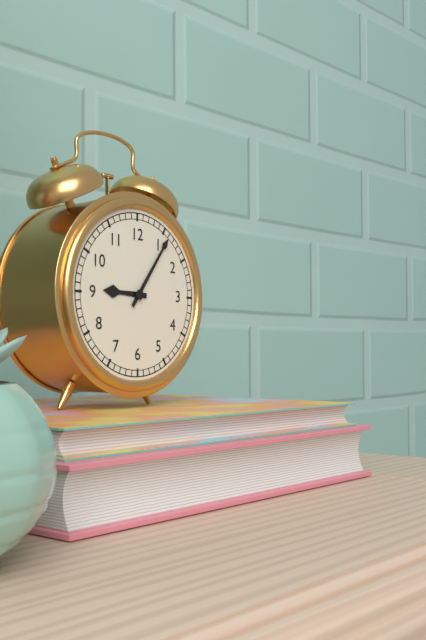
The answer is 9,06
